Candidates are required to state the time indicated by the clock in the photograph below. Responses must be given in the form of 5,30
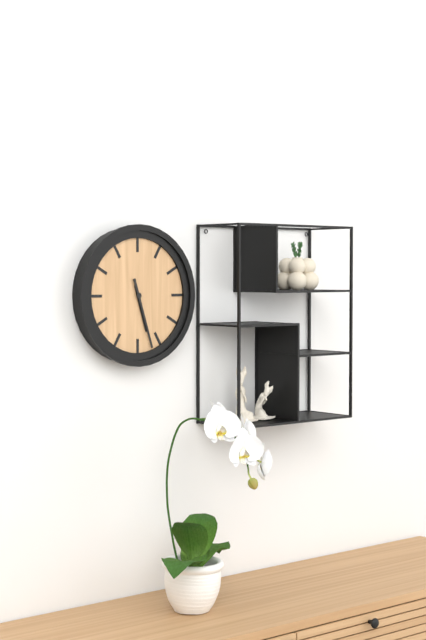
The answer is 5,27
